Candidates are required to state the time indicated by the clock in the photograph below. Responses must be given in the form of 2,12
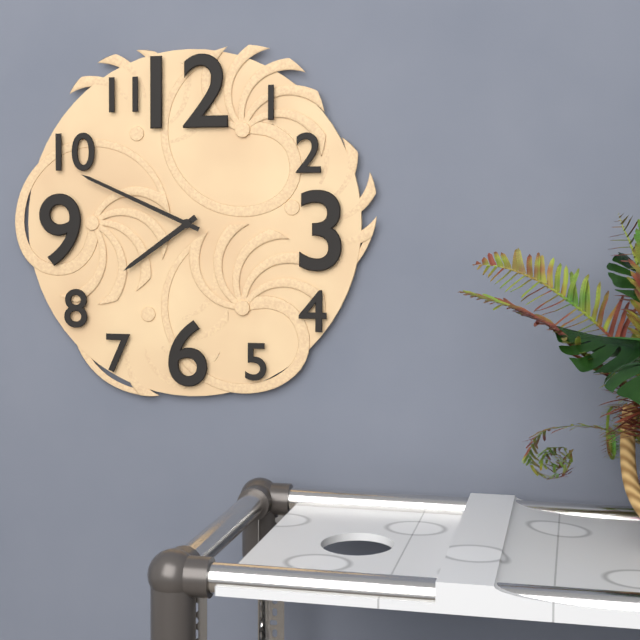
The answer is 7,49
